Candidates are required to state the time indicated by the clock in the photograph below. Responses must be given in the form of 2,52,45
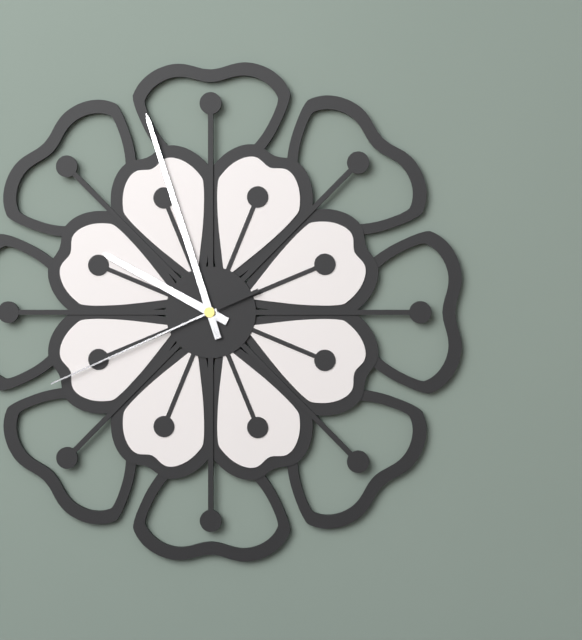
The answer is 9,57,41
